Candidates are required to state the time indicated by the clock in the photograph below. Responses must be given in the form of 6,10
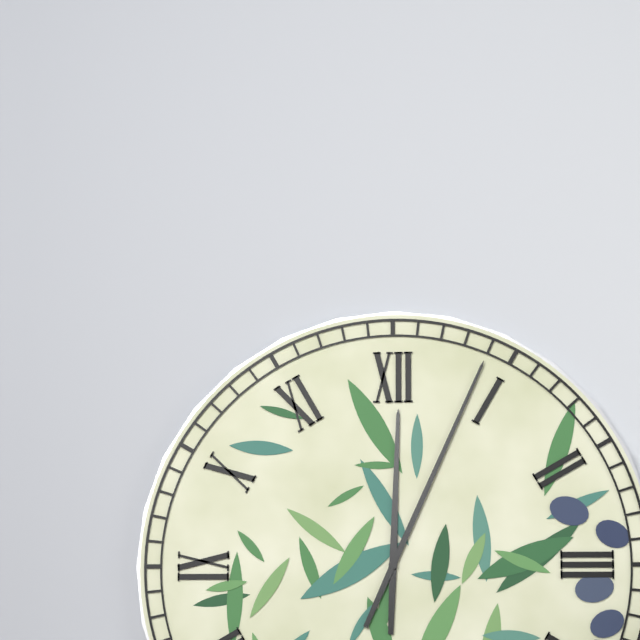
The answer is 12,04
